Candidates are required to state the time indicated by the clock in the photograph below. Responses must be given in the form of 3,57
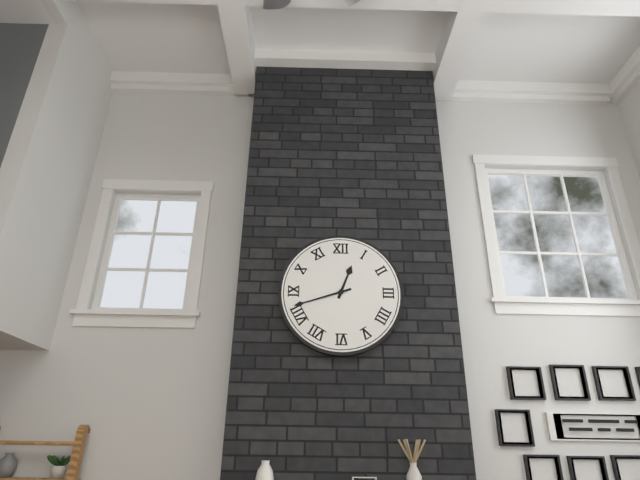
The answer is 12,42
